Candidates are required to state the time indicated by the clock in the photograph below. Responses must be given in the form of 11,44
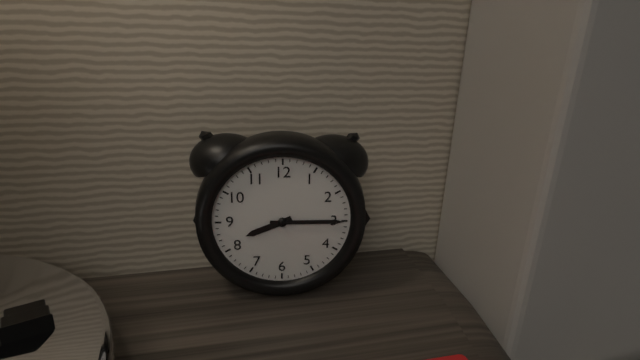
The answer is 8,15
